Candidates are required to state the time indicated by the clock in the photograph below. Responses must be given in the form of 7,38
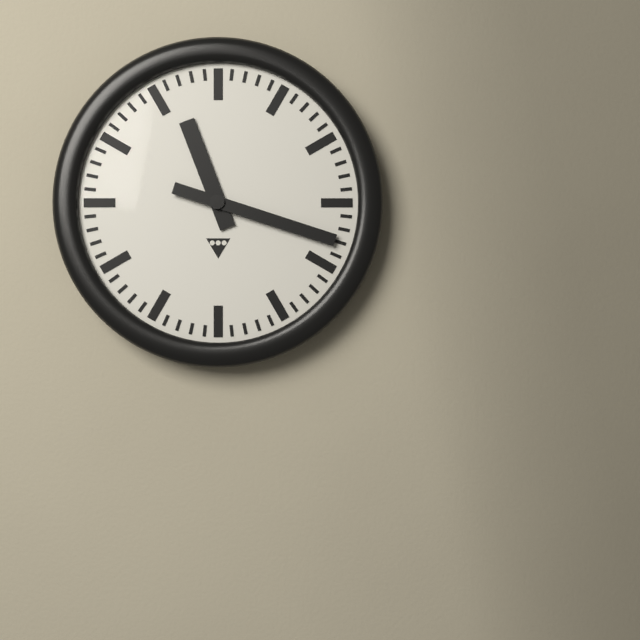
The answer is 11,18
